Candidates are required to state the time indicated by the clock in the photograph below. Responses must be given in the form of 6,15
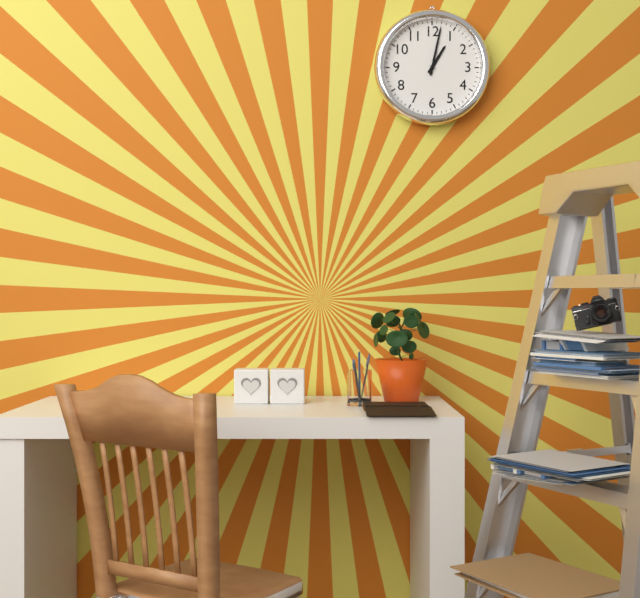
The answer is 1,02
